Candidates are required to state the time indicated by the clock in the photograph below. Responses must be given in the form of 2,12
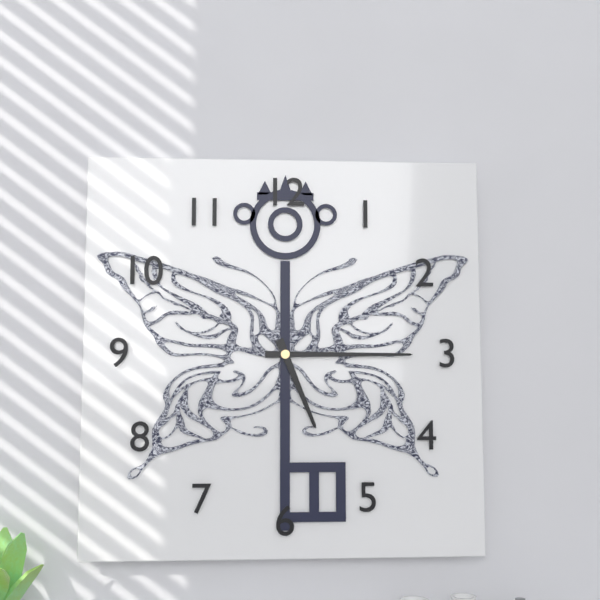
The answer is 5,15
